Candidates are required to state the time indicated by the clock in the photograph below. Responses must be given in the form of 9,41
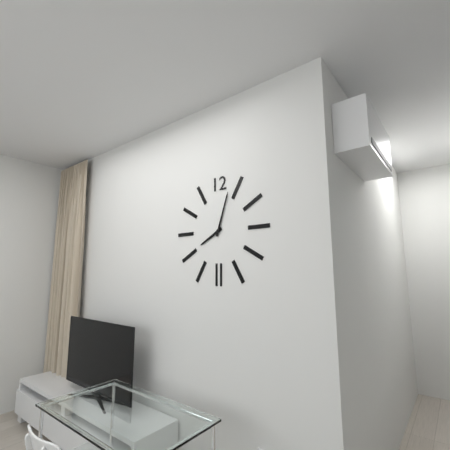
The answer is 8,03
